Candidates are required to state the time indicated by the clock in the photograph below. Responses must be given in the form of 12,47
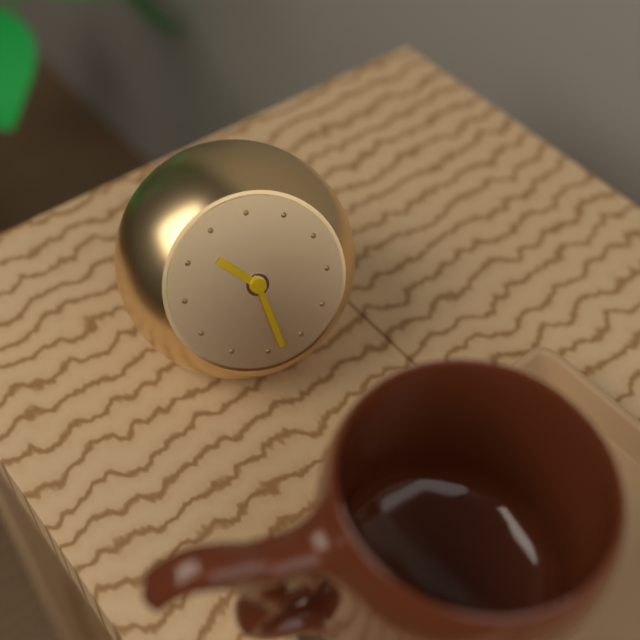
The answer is 10,28
